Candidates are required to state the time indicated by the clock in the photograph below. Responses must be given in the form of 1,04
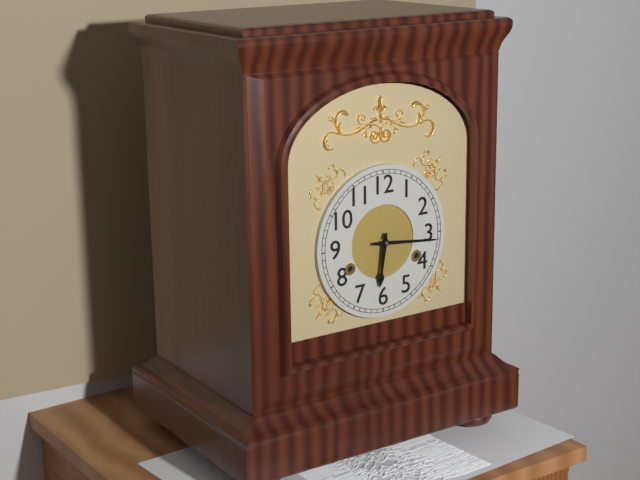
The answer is 6,16
